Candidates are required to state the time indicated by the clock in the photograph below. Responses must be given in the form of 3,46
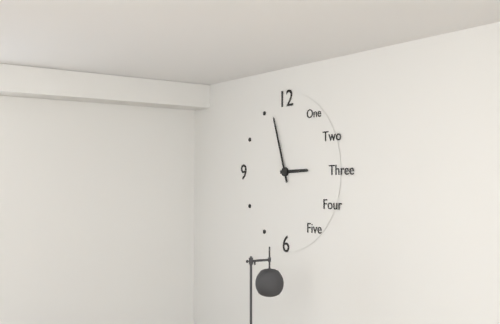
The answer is 2,57
